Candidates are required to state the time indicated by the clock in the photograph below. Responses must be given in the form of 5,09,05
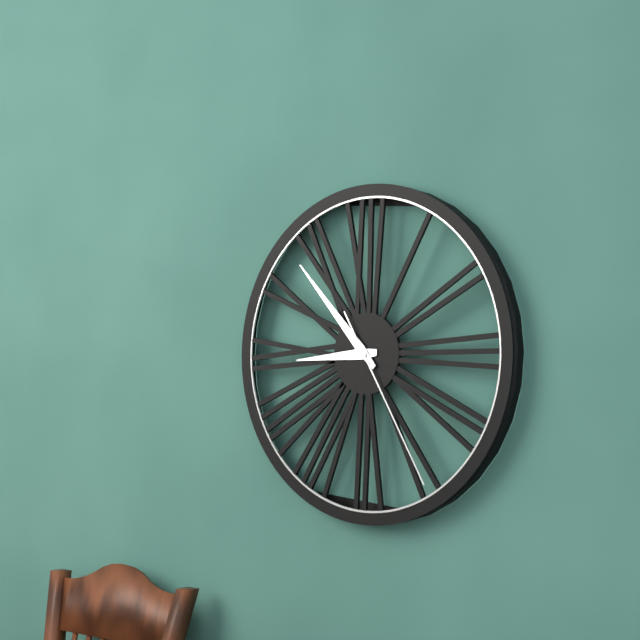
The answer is 8,53,25
